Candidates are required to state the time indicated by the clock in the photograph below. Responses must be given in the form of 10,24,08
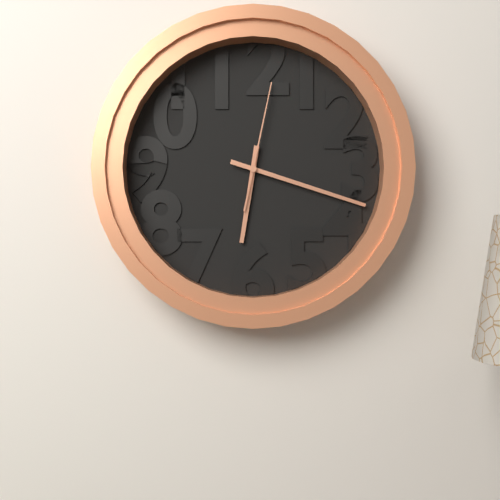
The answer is 6,18,02
